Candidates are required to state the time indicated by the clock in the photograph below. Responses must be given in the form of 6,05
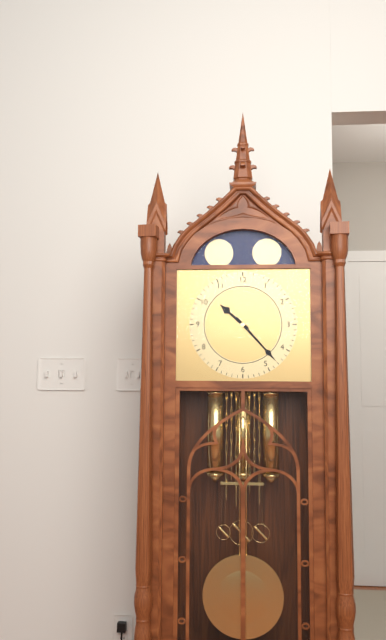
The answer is 10,23
